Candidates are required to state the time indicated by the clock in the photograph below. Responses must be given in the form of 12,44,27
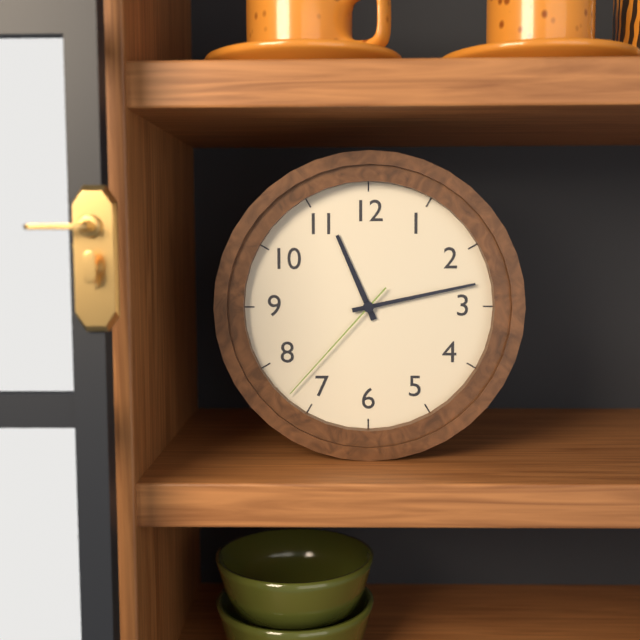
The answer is 11,13,37
